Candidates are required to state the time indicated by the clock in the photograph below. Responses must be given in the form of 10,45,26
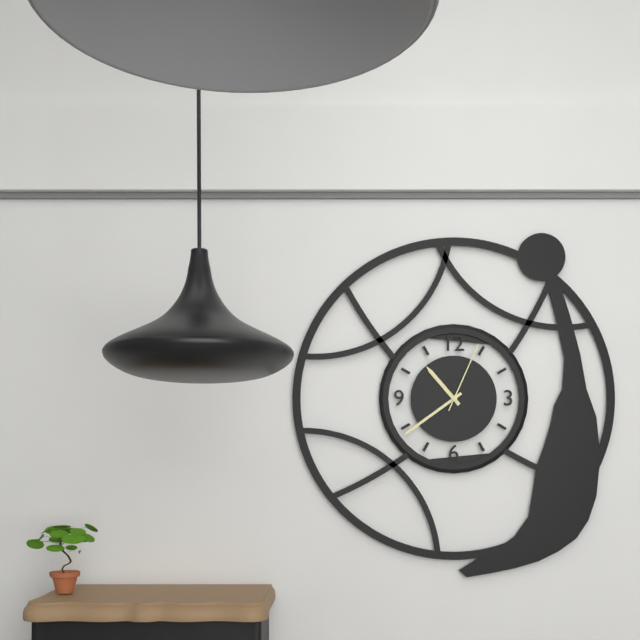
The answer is 10,39,04
